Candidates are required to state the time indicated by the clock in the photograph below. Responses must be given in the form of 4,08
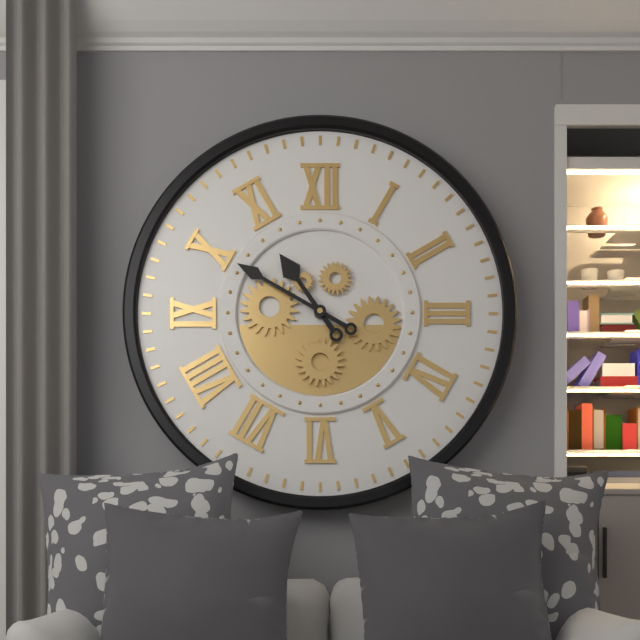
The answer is 10,50
